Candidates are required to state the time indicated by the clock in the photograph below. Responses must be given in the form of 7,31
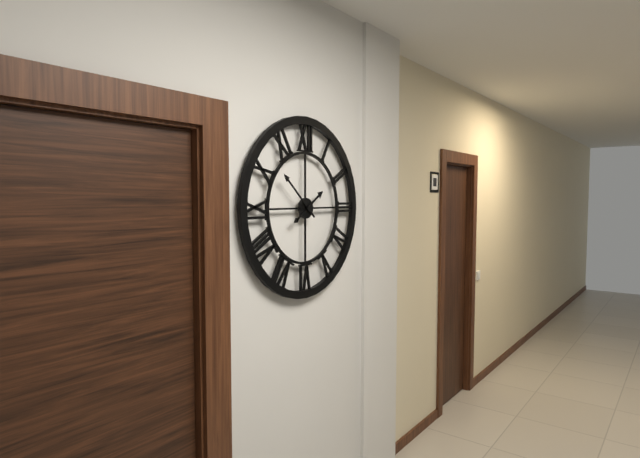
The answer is 1,52
